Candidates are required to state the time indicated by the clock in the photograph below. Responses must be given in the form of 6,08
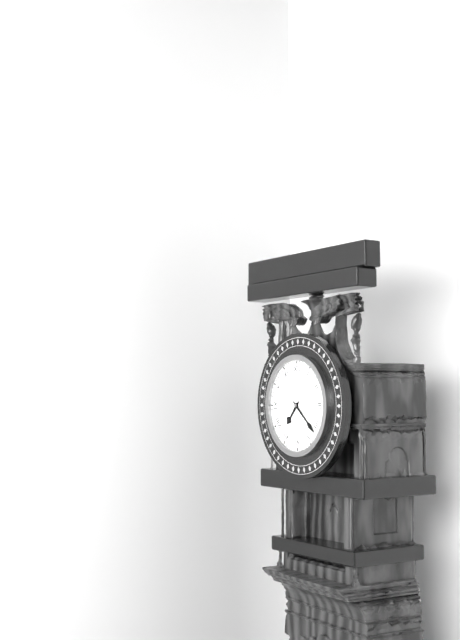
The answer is 7,22
